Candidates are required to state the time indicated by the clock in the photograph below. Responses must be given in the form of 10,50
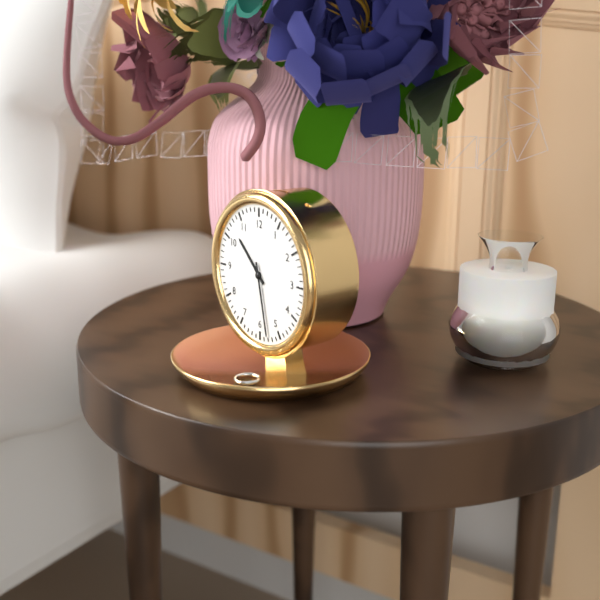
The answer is 10,28
